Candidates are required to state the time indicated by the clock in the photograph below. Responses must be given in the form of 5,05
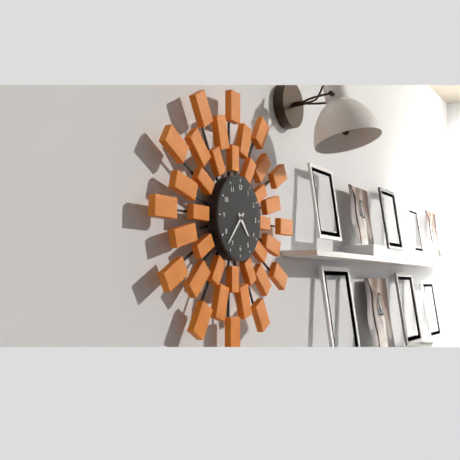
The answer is 4,37
